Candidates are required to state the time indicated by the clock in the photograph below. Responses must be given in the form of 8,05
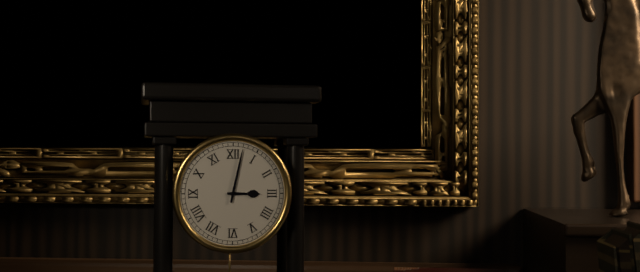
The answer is 3,02
